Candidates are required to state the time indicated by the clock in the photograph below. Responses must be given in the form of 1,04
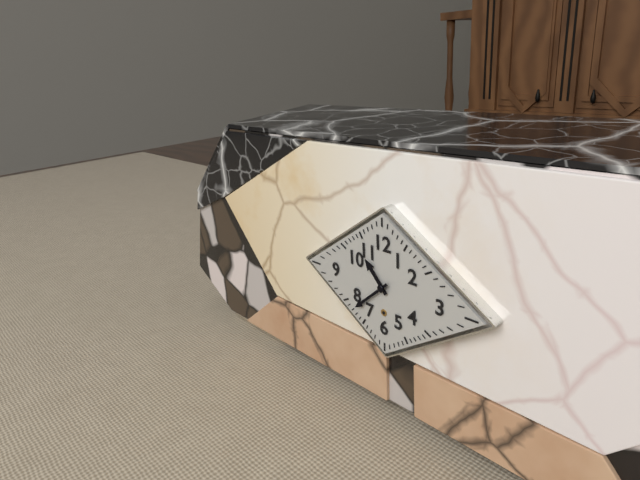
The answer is 10,38
